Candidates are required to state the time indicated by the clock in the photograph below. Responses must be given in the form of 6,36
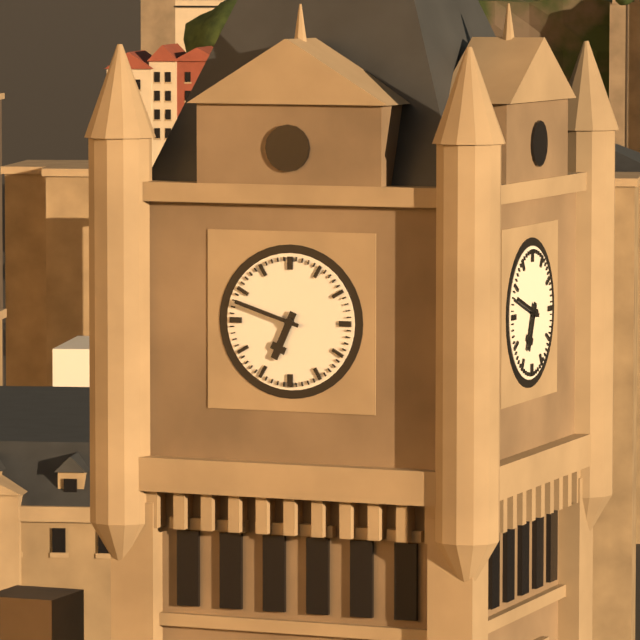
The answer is 6,48
